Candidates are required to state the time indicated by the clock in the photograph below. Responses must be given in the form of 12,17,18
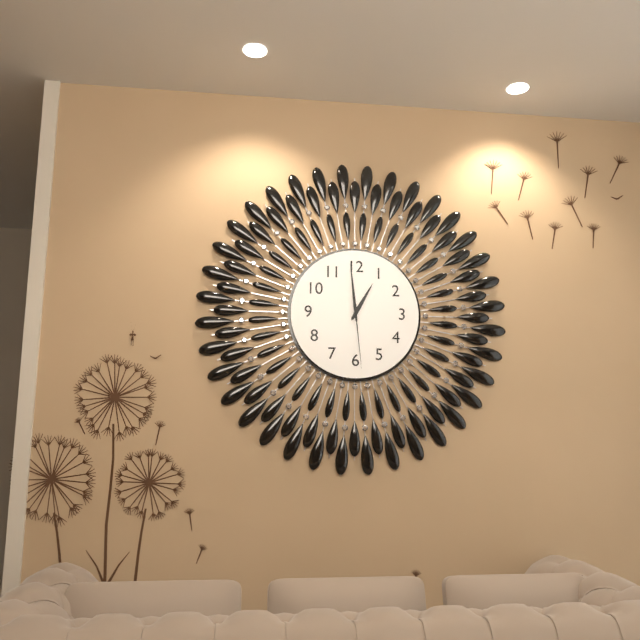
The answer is 12,59,29
